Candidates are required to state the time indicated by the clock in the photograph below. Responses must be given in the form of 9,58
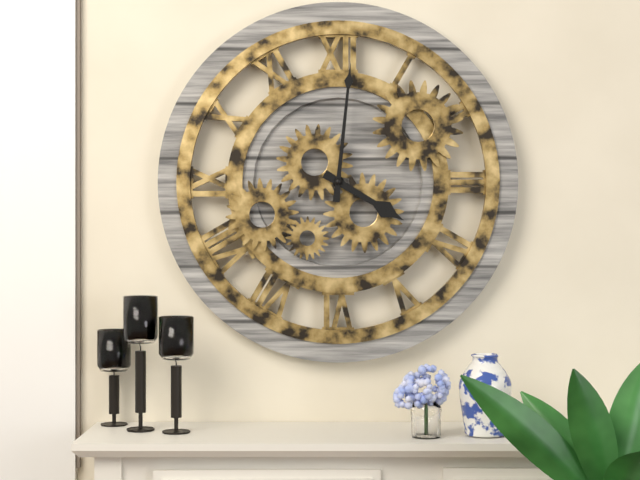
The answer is 4,01
